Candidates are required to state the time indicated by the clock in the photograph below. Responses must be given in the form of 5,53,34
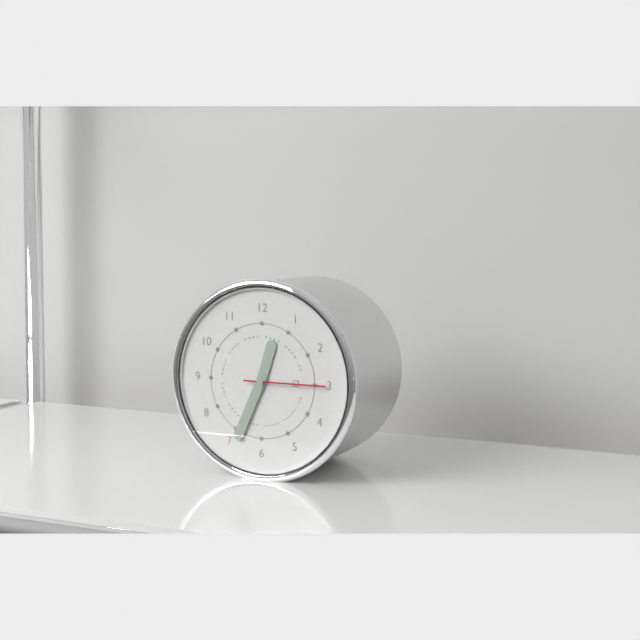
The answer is 12,34,15
